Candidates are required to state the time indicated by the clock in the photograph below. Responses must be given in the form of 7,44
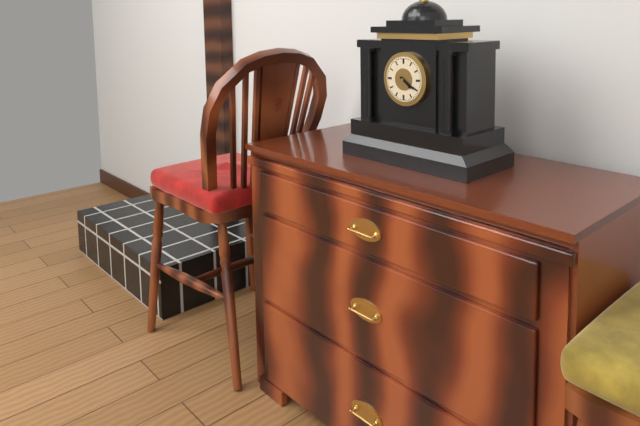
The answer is 4,20
